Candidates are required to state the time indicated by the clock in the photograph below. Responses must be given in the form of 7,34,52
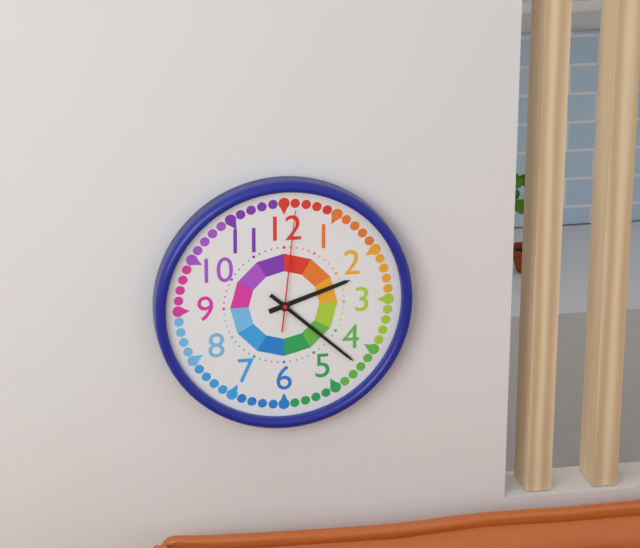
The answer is 2,22,01
